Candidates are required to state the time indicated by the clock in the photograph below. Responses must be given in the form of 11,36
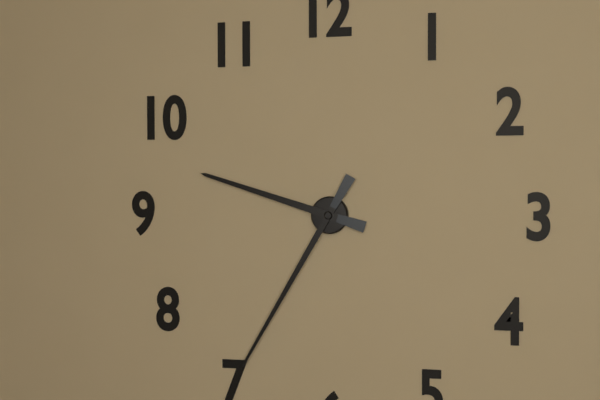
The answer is 9,35
